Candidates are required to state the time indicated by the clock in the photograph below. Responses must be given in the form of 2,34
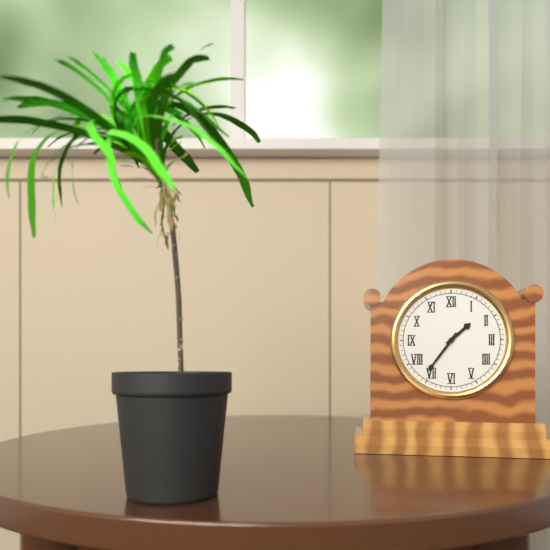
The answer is 1,36
